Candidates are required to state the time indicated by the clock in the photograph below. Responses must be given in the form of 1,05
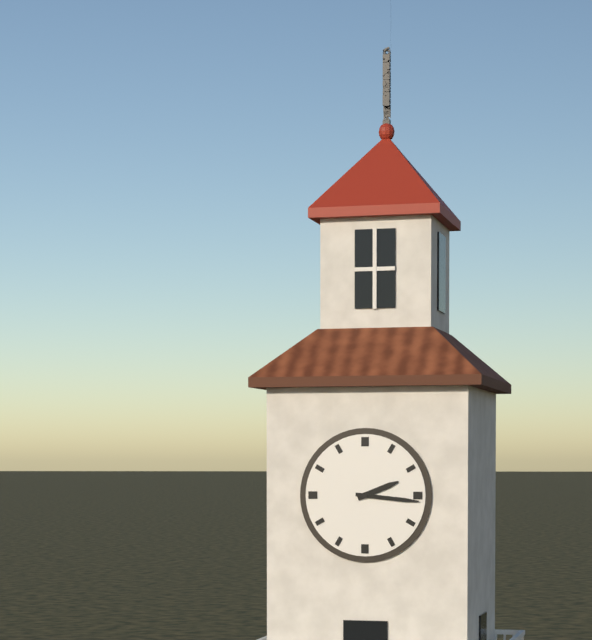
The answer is 2,16
